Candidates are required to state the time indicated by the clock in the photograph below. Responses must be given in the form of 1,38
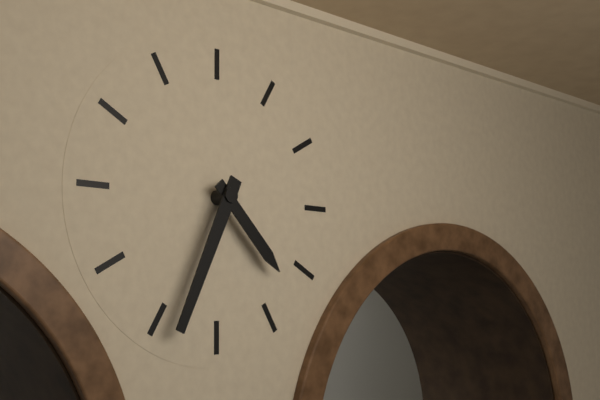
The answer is 4,34
